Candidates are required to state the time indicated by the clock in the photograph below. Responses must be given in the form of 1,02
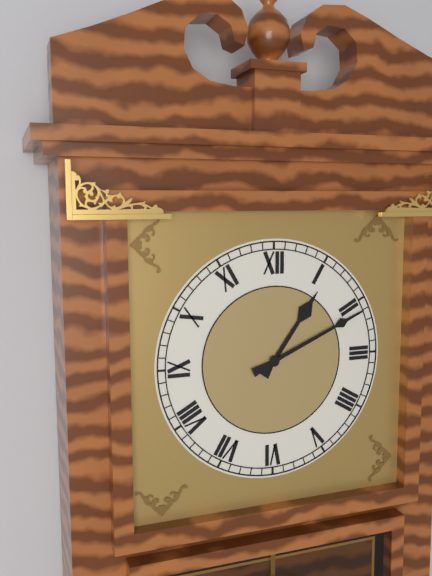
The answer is 1,11
